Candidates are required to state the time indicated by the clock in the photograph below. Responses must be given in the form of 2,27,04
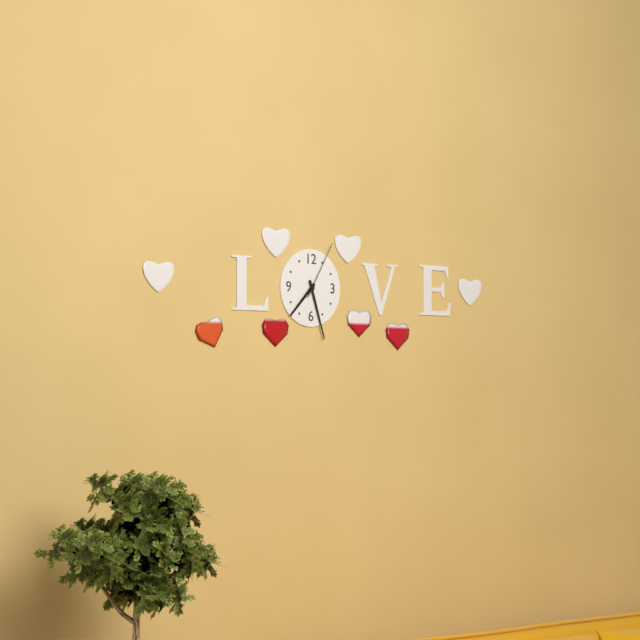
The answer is 7,27,05
